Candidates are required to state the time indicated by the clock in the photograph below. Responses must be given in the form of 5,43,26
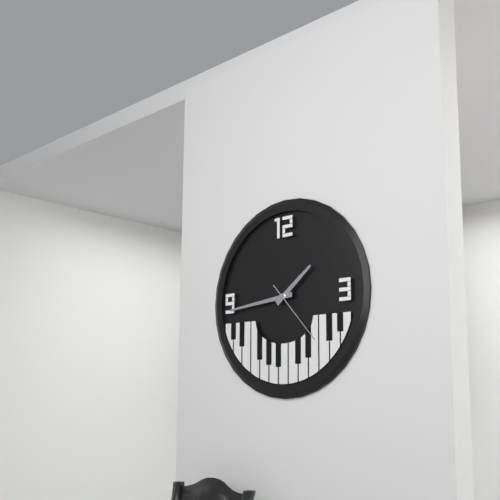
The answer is 1,44,23
